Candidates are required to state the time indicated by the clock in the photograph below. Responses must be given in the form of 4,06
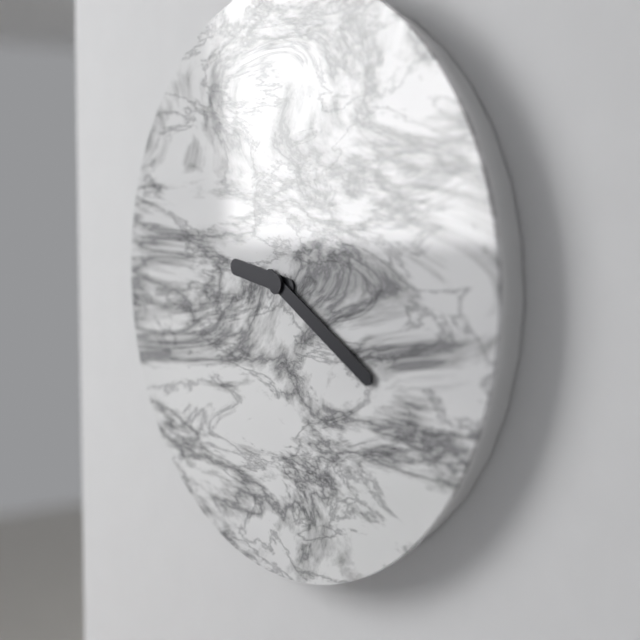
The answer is 9,20
